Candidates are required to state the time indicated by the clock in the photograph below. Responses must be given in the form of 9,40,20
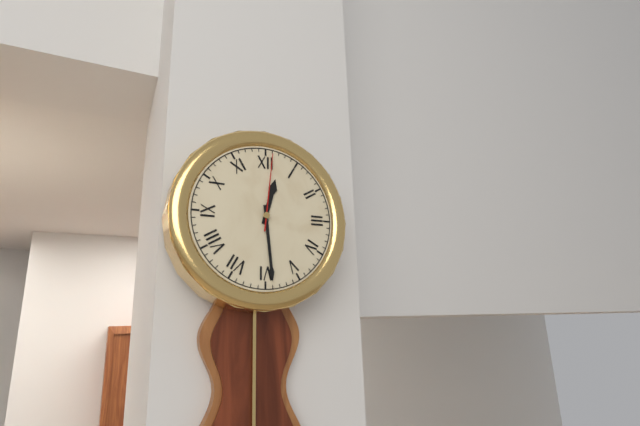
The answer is 12,29,01
